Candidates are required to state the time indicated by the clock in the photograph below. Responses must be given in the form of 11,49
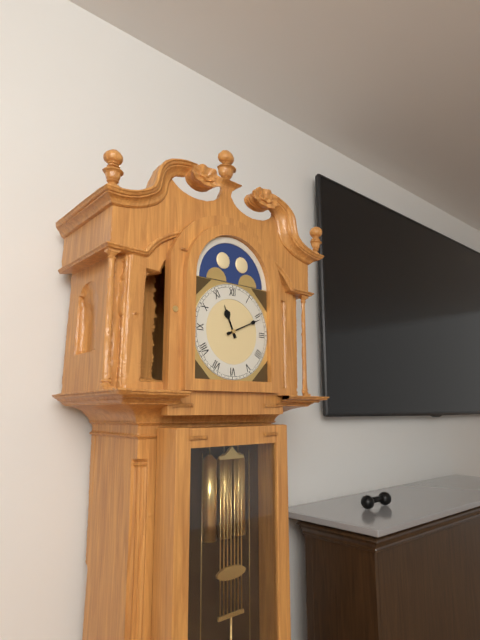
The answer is 11,11
